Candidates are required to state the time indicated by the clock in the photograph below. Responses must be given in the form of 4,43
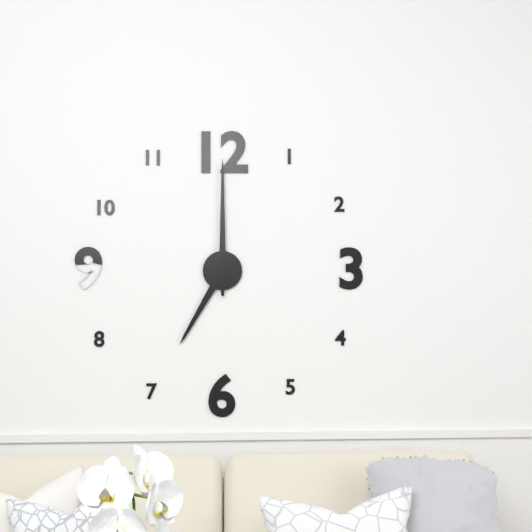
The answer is 7,00
